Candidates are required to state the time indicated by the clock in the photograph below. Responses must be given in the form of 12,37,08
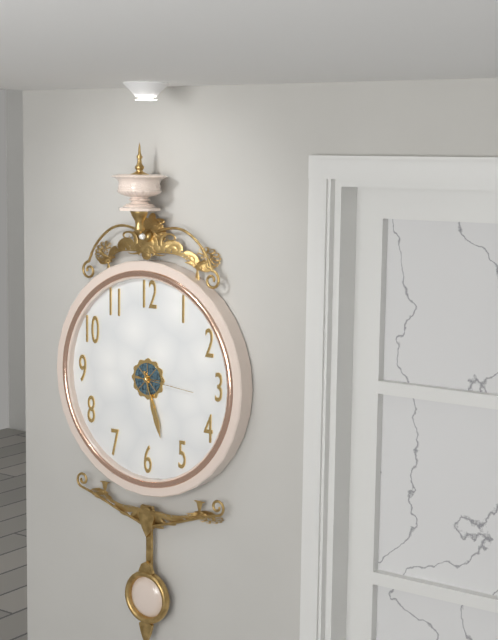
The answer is 5,27,16
